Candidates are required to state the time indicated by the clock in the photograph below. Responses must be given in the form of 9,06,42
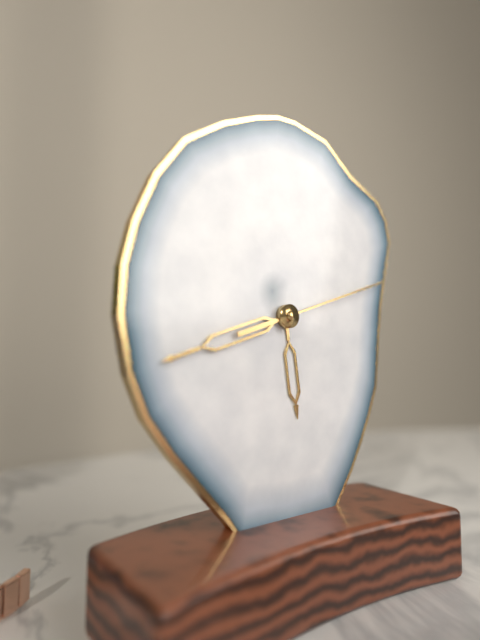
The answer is 5,42,12
